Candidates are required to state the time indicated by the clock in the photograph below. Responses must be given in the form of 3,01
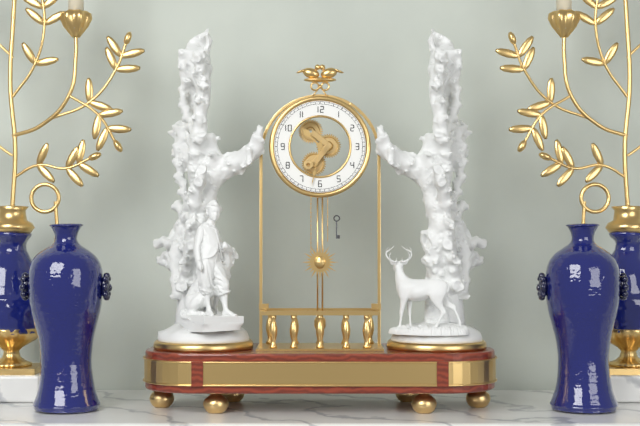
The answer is 10,32
